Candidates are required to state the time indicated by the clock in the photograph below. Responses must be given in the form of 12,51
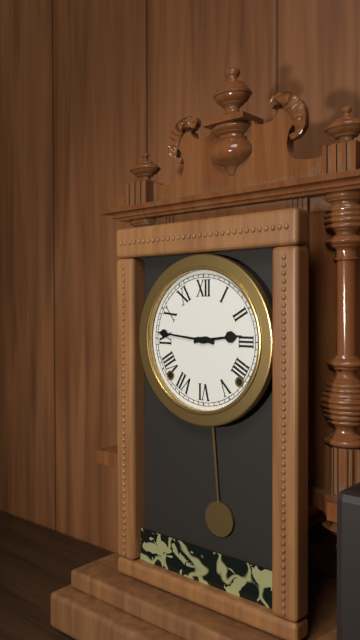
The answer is 2,46
